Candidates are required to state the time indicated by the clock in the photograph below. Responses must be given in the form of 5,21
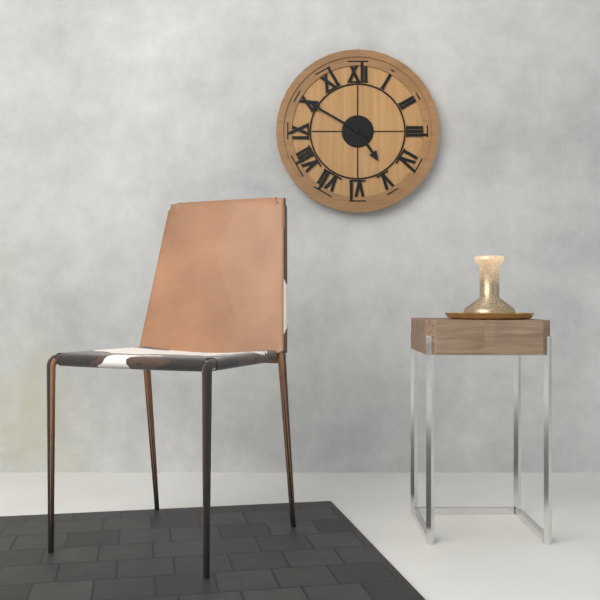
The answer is 4,50
